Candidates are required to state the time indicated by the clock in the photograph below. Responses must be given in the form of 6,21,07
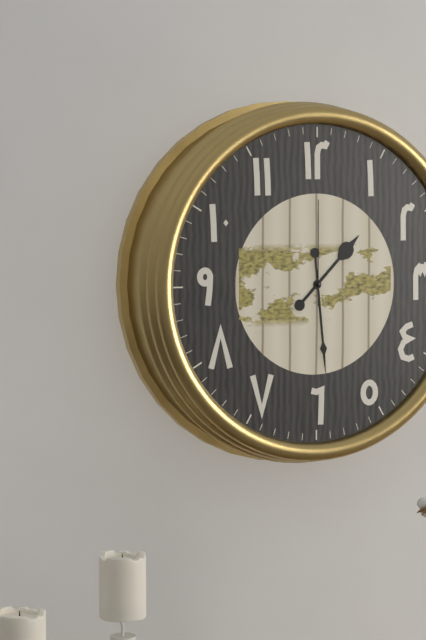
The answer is 1,29,00
